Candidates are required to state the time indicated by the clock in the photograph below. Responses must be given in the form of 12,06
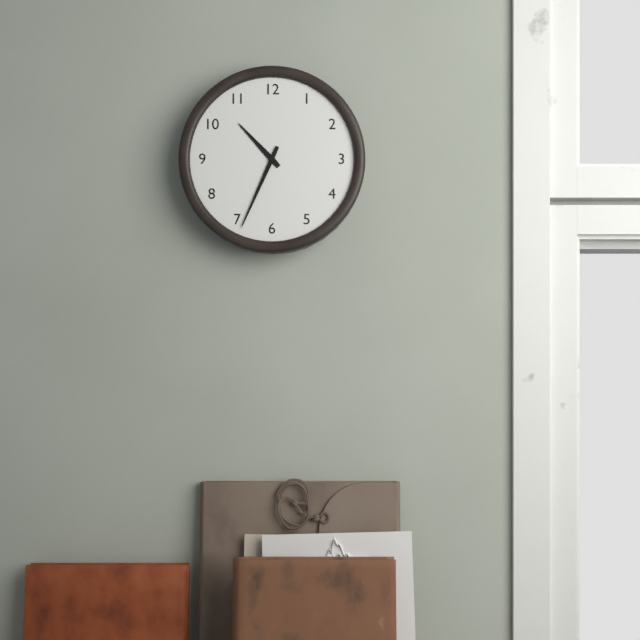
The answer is 10,34
